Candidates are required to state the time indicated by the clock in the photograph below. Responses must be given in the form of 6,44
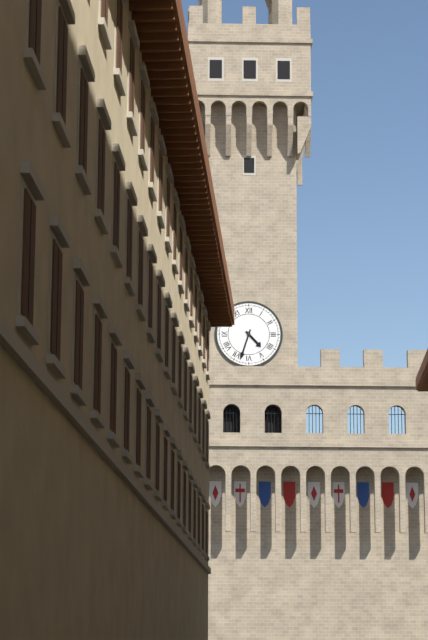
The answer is 4,33
